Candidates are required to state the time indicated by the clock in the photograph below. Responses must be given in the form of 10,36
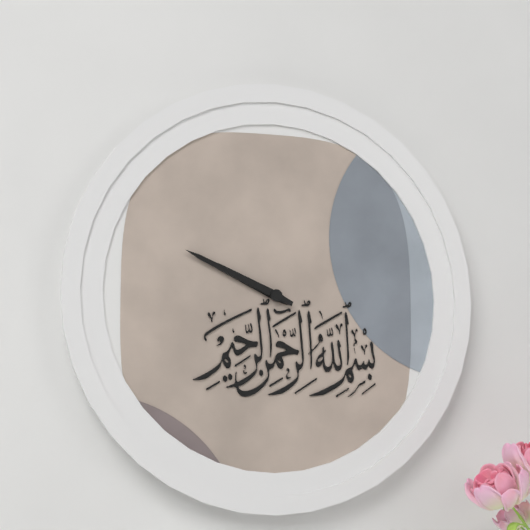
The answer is 9,49
